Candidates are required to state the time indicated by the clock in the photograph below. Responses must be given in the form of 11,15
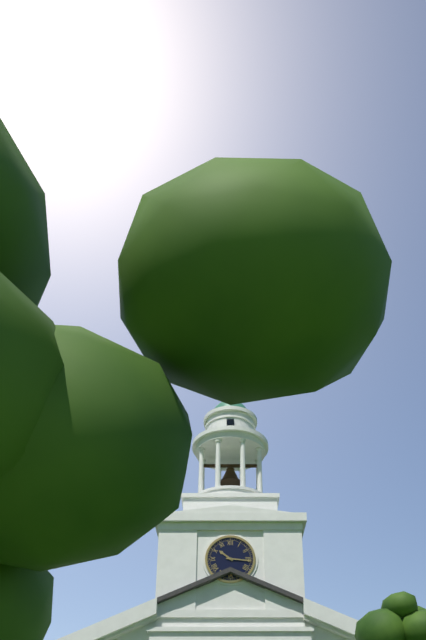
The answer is 10,16
